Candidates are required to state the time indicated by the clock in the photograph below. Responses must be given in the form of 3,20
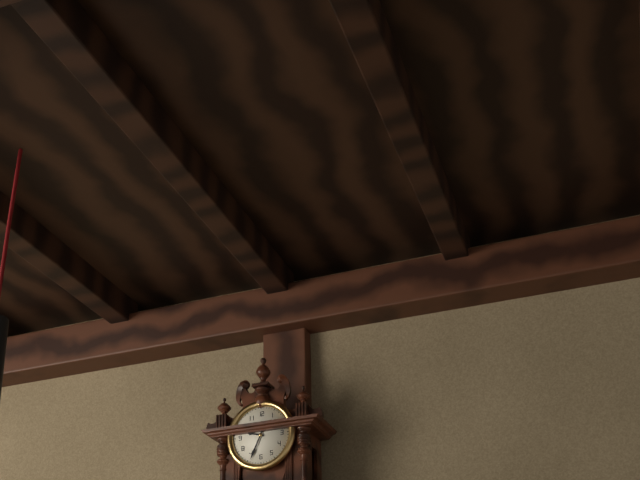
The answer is 9,34
